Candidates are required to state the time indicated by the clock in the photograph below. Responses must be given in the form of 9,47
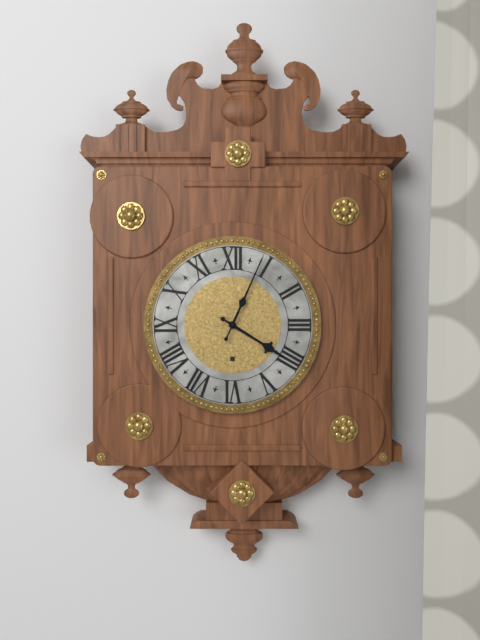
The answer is 4,04
